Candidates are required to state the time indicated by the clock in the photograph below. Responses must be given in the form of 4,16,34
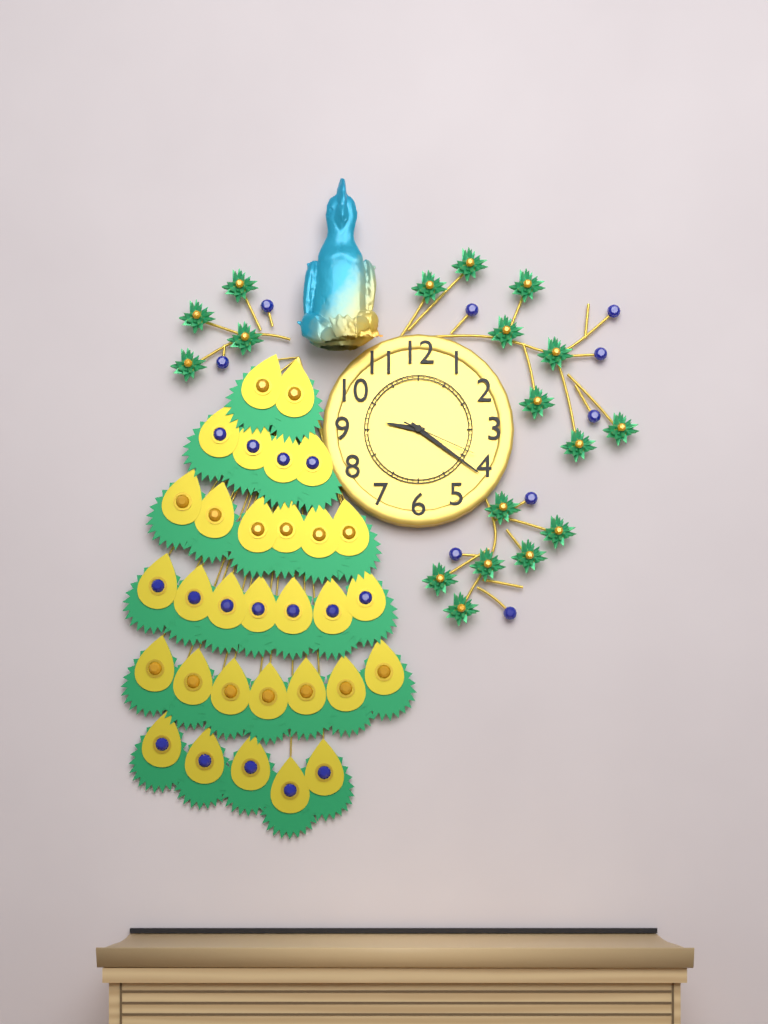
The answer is 9,21,19
